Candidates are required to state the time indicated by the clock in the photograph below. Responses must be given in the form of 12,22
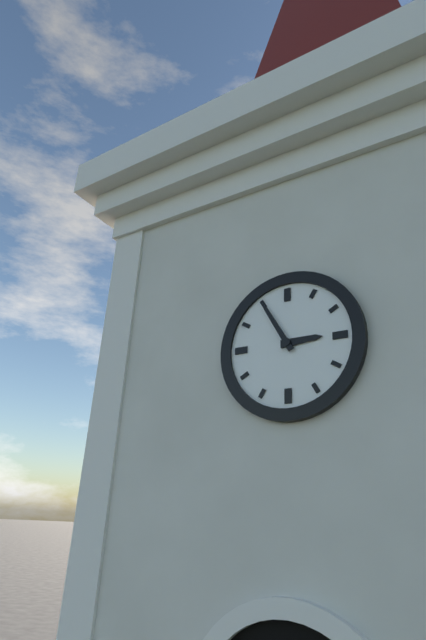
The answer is 2,55
